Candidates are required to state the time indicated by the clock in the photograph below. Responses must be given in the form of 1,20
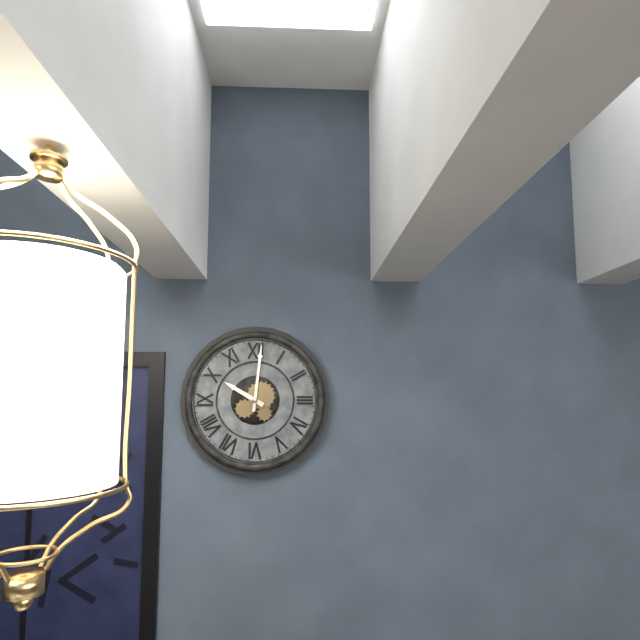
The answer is 10,01
